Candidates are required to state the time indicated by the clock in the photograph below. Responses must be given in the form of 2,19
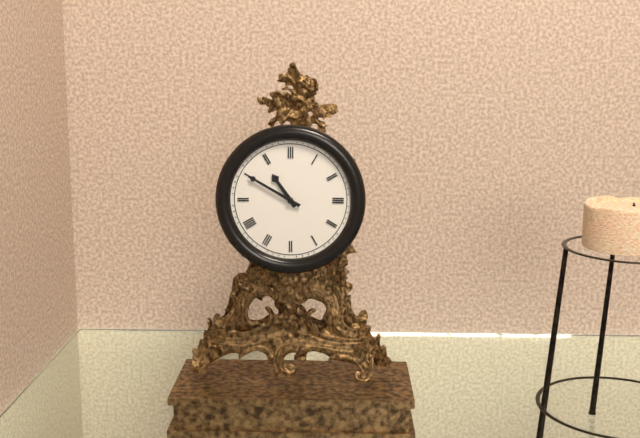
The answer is 10,50
